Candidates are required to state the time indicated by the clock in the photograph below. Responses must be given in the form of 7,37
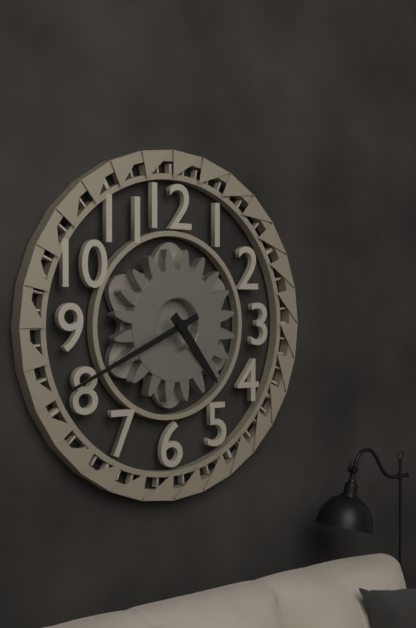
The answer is 4,41
